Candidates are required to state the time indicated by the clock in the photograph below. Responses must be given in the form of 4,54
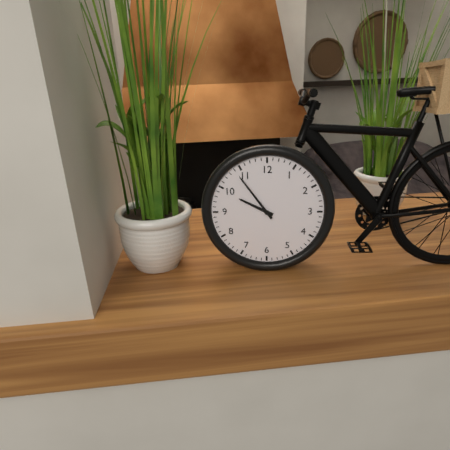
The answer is 9,54
